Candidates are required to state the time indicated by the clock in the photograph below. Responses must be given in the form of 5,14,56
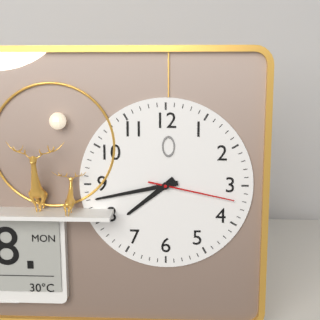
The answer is 7,43,17
